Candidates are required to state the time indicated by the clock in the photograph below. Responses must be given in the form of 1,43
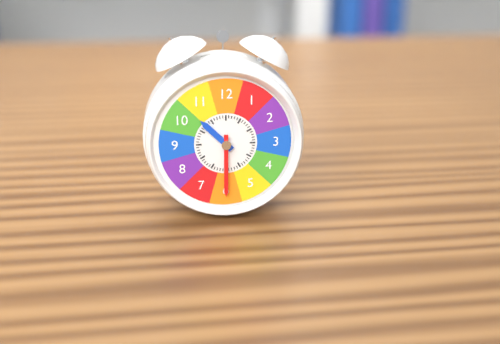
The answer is 10,30
